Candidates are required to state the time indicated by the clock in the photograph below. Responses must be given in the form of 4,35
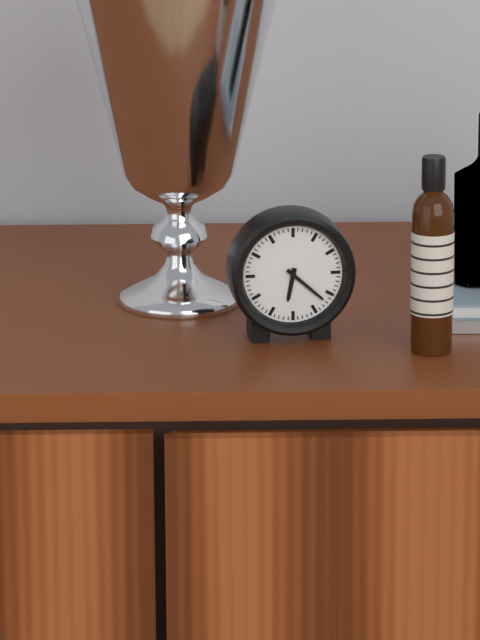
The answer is 6,22
